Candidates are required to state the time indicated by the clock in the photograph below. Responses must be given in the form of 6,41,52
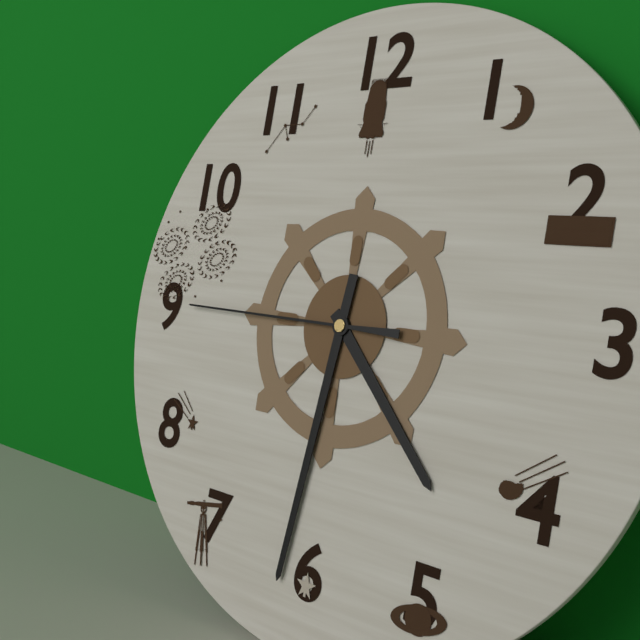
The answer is 4,31,45
